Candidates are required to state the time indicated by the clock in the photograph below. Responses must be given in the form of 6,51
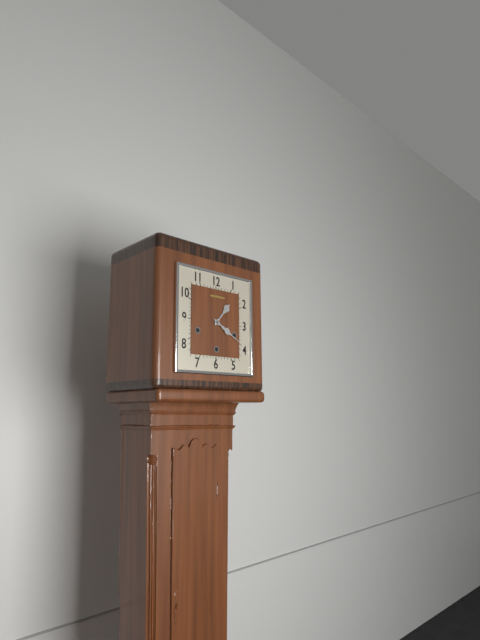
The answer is 1,20
